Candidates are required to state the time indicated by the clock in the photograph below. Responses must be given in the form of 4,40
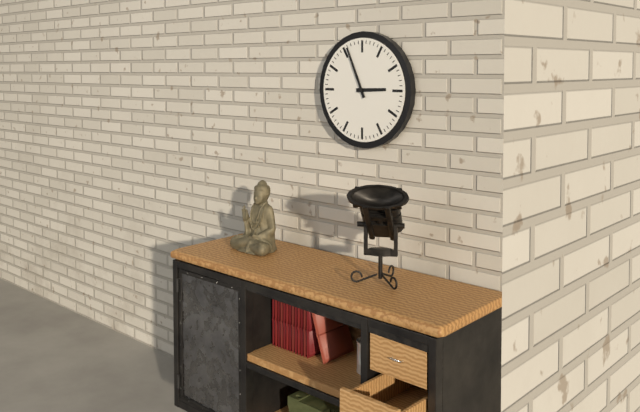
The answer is 2,56
